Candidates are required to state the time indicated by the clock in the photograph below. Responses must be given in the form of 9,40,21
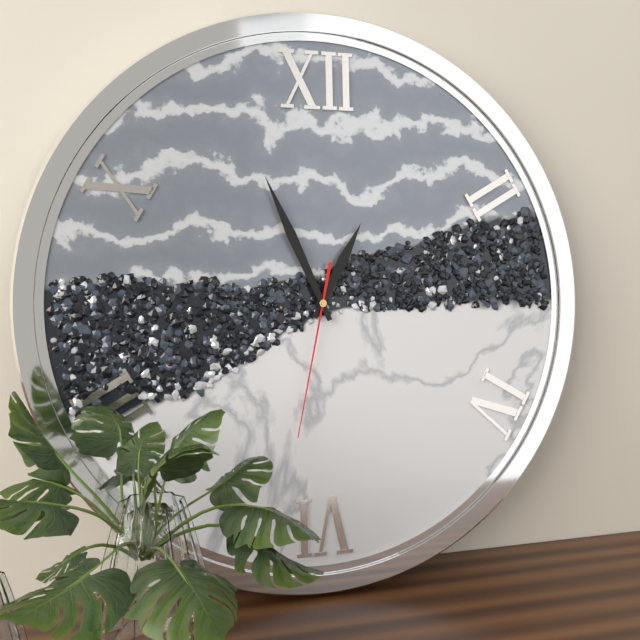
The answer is 12,56,32
